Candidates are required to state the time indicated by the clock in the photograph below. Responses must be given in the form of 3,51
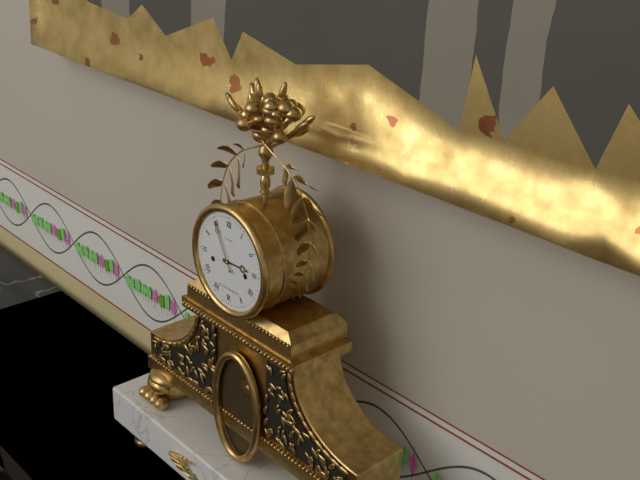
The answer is 2,55
